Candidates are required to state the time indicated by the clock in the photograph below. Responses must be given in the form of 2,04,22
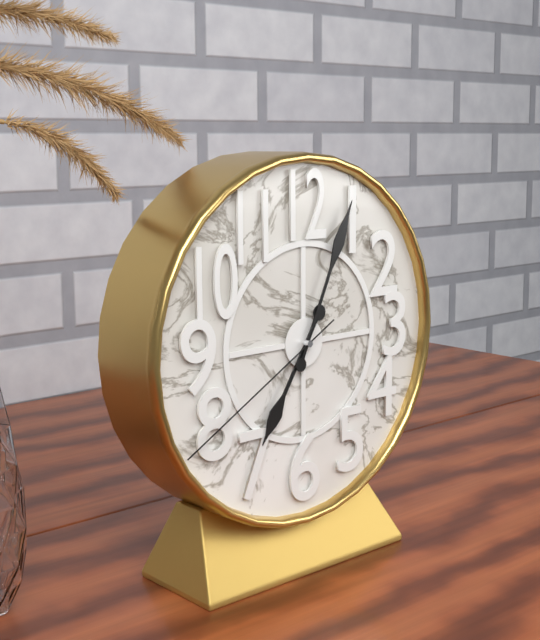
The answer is 7,04,40
